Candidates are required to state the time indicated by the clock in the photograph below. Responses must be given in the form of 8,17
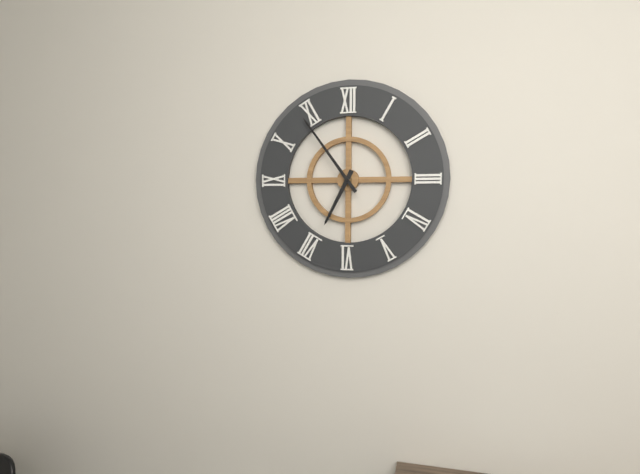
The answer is 6,54
